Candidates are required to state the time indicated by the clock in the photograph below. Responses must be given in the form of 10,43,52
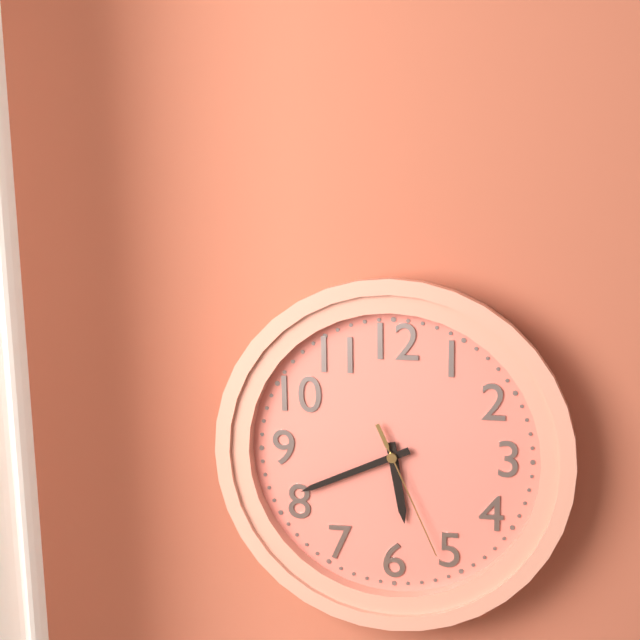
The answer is 5,41,26
